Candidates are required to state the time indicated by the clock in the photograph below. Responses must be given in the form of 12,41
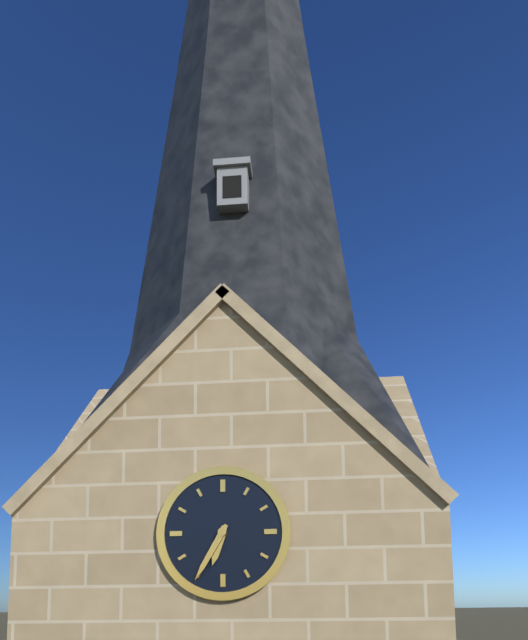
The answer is 6,35
